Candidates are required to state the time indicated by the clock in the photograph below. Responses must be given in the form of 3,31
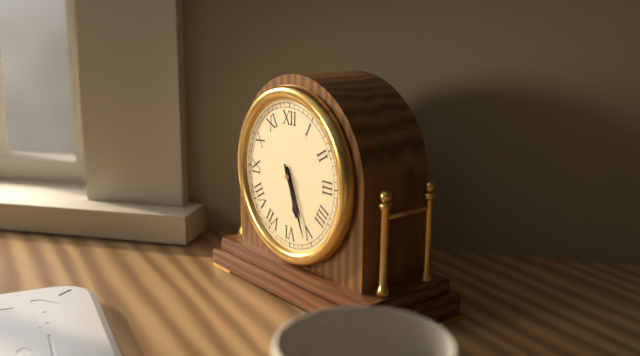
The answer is 5,26
